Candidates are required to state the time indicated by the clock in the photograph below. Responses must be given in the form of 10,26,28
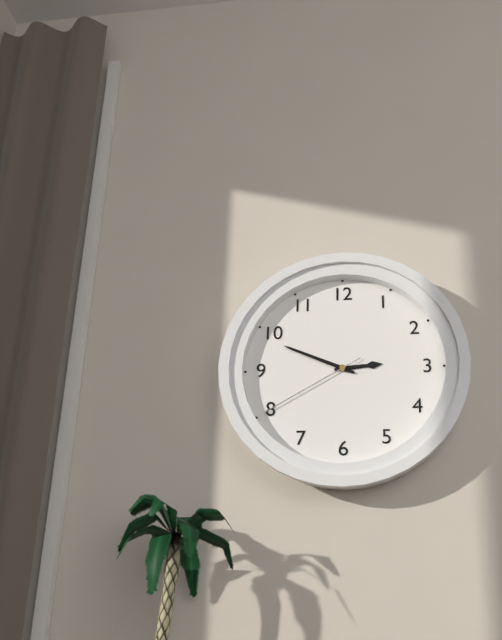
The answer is 2,49,40
